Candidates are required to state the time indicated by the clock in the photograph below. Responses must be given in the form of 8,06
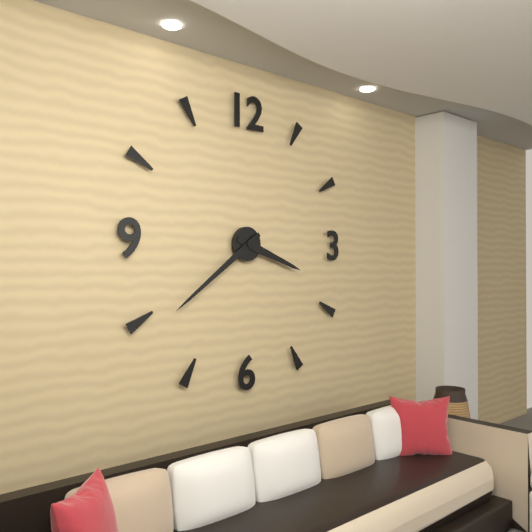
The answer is 3,39
